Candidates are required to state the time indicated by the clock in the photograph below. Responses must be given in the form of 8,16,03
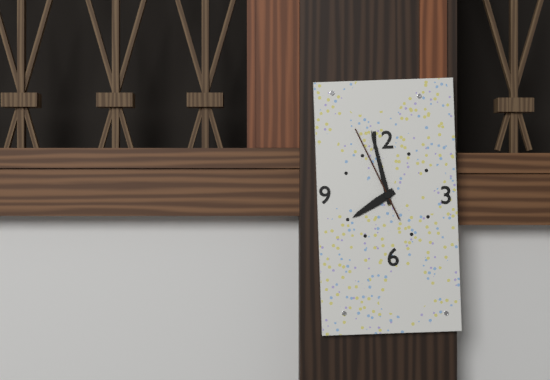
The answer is 7,58,56
